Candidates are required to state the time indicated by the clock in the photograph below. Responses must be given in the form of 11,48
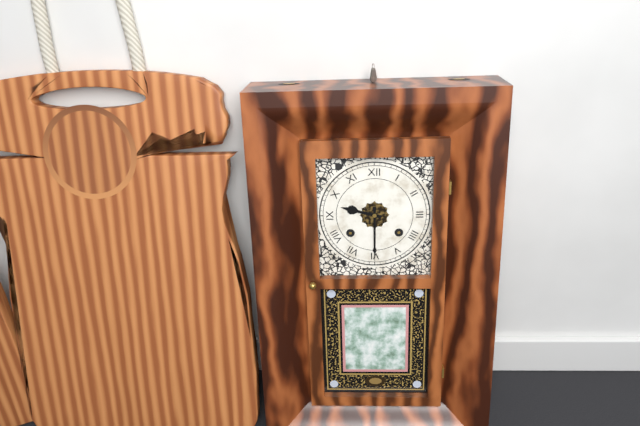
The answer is 9,30
